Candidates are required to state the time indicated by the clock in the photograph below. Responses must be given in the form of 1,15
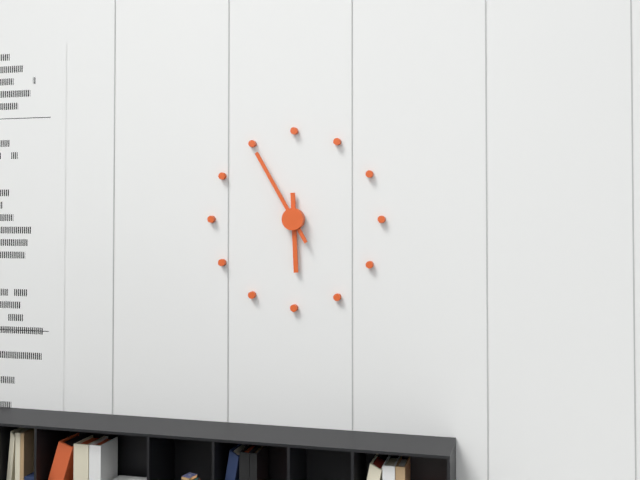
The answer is 5,55
